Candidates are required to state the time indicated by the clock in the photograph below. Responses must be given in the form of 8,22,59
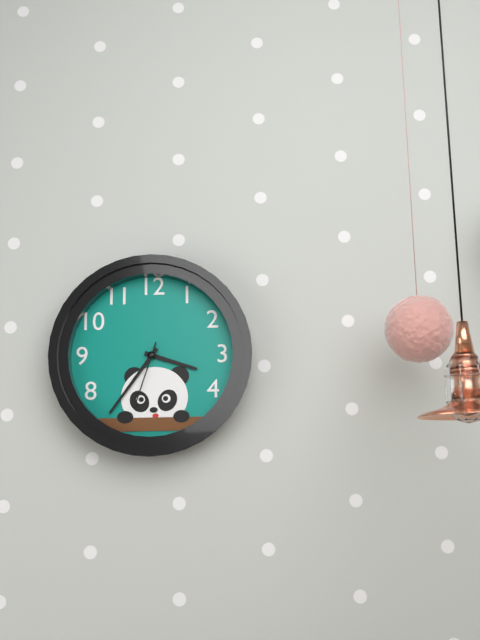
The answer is 3,36,33
